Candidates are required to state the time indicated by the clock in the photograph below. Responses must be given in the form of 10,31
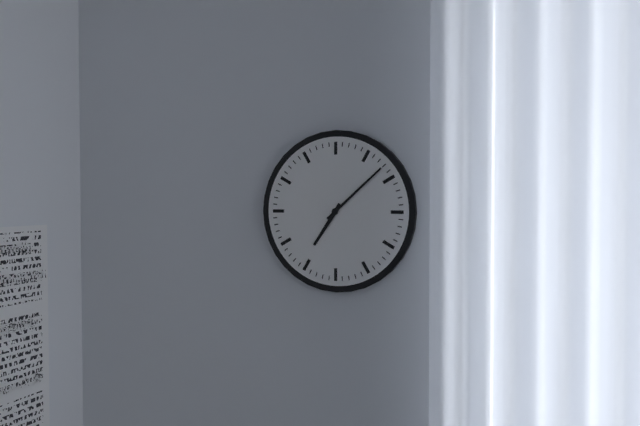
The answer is 7,08
